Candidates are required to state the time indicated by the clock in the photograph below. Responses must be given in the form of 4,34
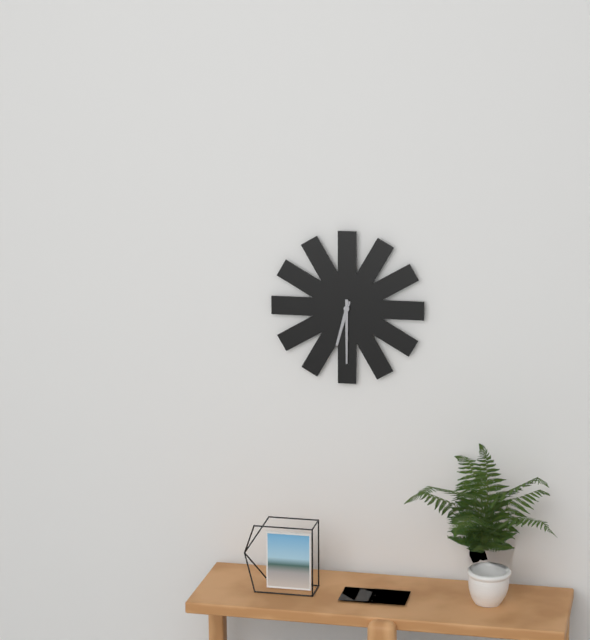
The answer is 6,30
